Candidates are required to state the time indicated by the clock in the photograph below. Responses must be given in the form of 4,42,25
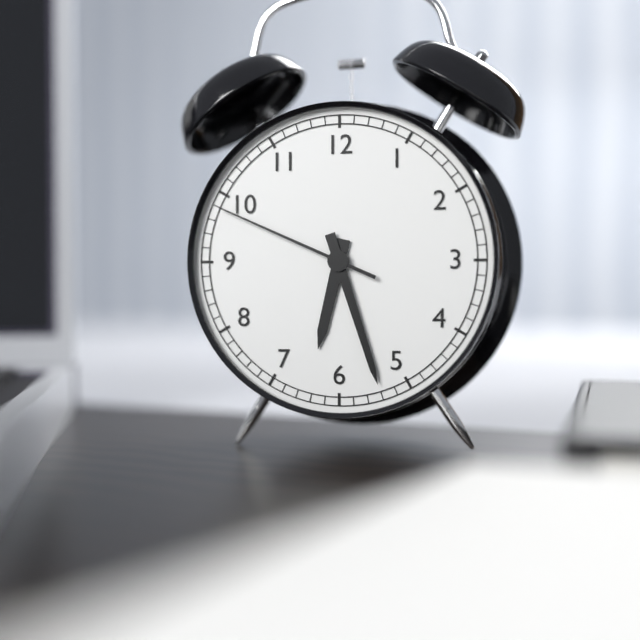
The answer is 6,27,49
